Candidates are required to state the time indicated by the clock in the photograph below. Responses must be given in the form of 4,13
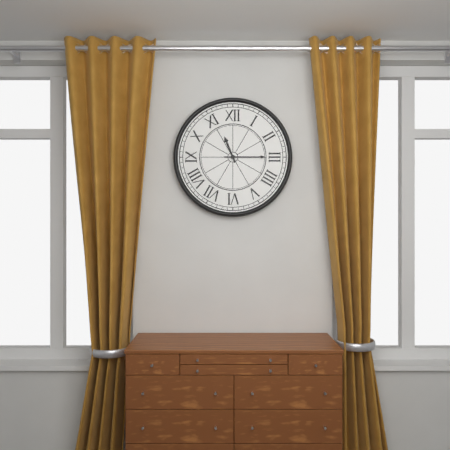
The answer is 11,15
